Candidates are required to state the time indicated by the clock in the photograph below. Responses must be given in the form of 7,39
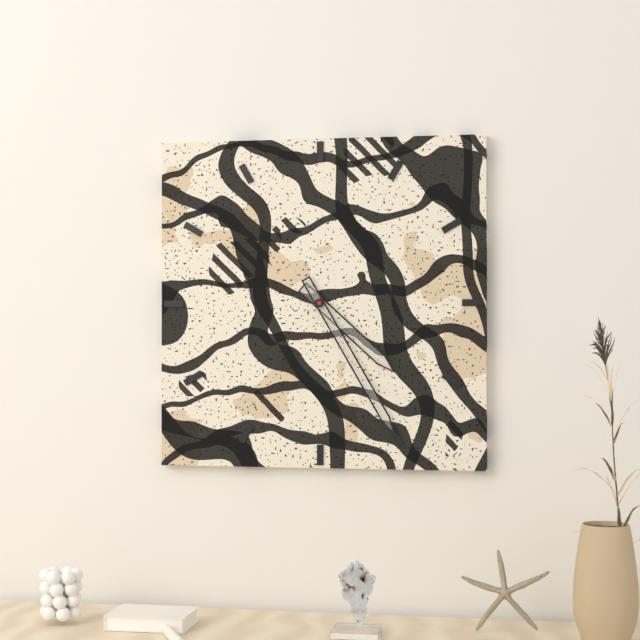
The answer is 4,25
